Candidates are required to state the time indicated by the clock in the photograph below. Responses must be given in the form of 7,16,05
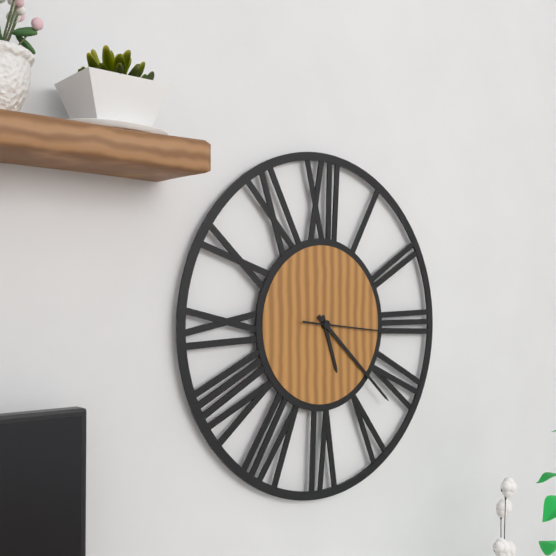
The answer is 5,22,16
